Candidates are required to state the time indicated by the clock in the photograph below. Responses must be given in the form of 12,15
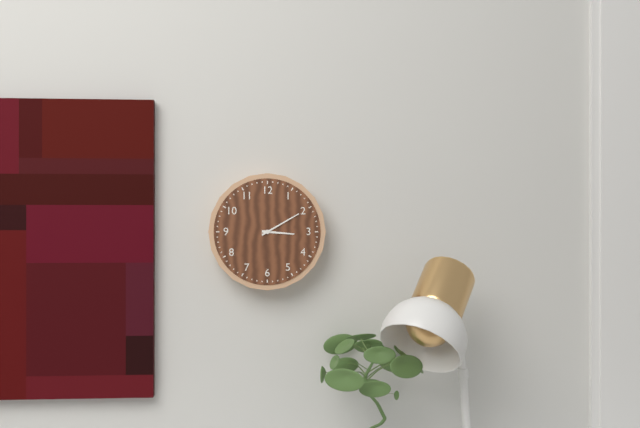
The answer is 3,10
